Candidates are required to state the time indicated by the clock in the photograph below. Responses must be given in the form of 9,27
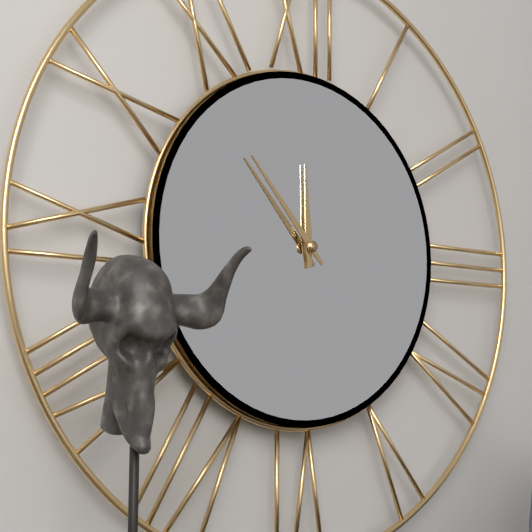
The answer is 11,53
